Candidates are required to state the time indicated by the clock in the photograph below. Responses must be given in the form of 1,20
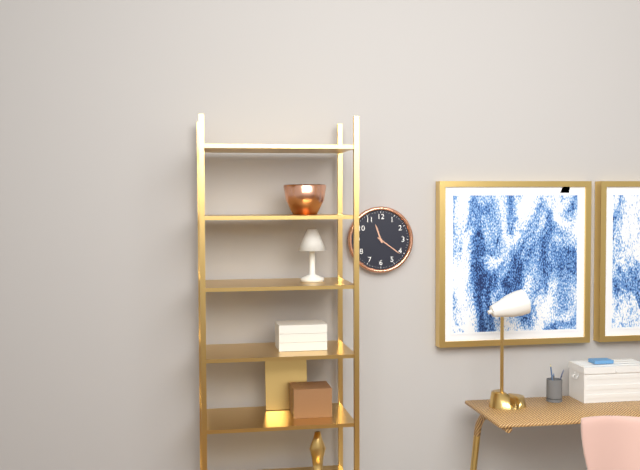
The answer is 11,21
